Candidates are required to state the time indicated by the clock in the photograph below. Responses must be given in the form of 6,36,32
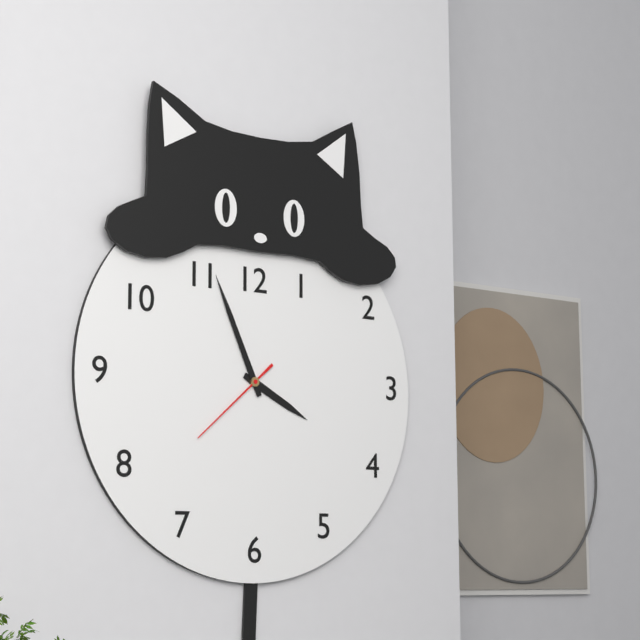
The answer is 3,56,38
